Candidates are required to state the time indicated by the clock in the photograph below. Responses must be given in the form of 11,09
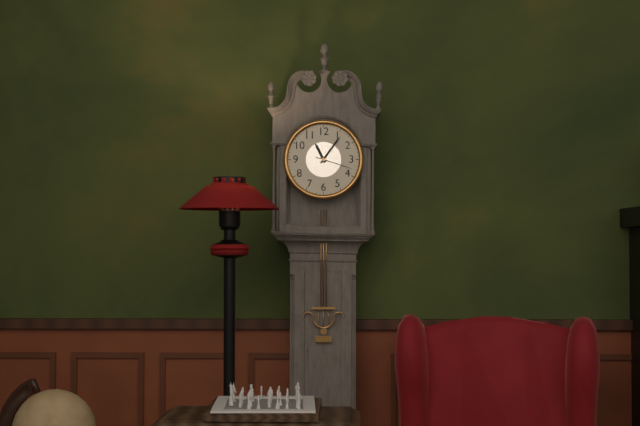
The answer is 11,06
